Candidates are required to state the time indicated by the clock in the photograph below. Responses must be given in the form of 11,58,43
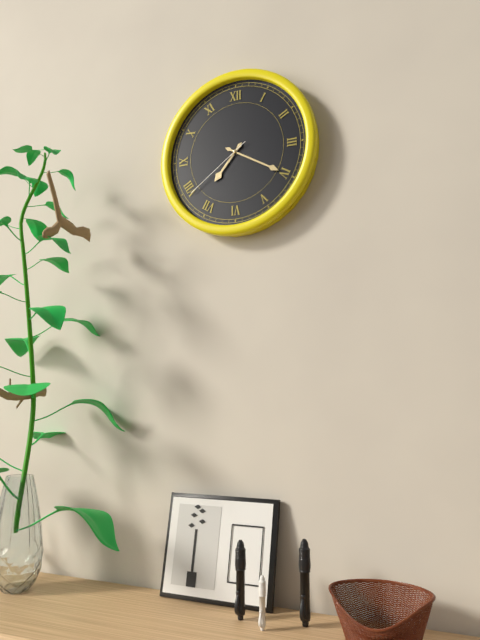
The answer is 7,20,39
